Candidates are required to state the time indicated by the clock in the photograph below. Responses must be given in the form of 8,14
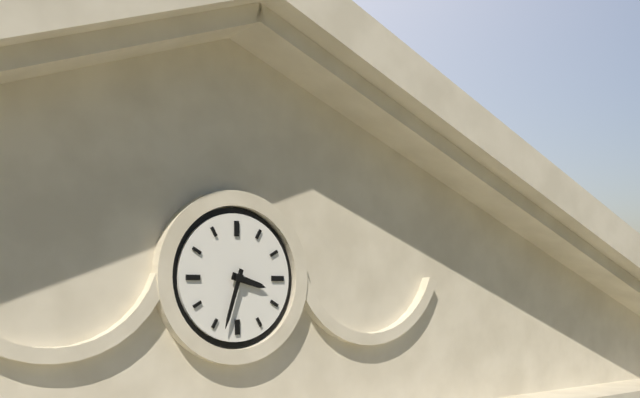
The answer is 3,33
